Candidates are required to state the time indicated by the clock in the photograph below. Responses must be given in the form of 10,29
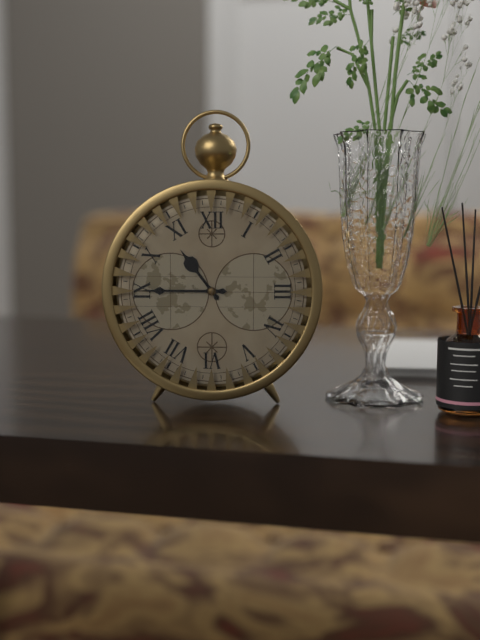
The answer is 10,45
